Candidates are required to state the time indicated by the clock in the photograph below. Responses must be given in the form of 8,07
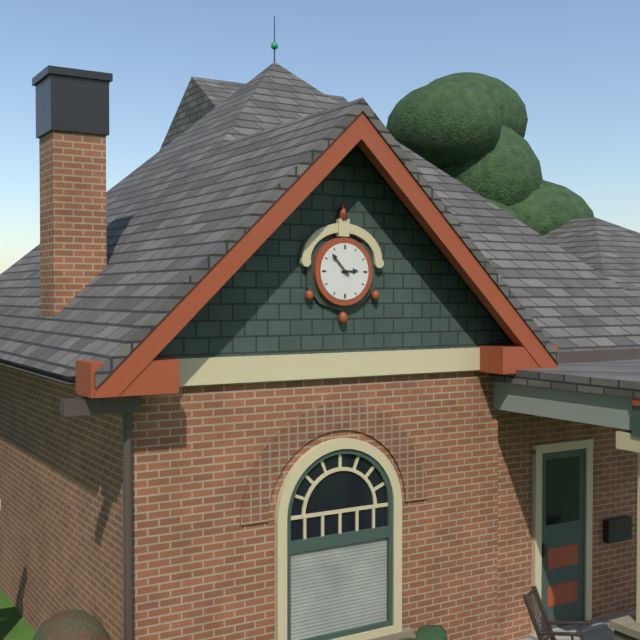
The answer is 2,53
